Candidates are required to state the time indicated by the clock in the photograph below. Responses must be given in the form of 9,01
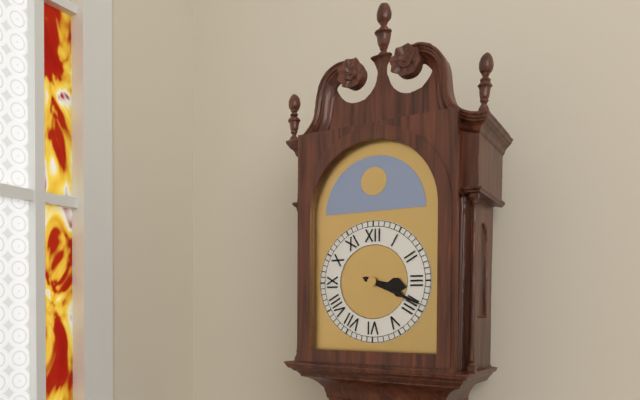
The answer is 3,19
